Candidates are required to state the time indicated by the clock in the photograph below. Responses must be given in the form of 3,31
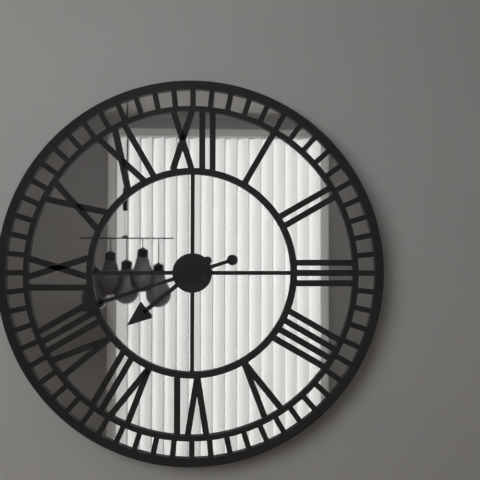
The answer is 7,42
